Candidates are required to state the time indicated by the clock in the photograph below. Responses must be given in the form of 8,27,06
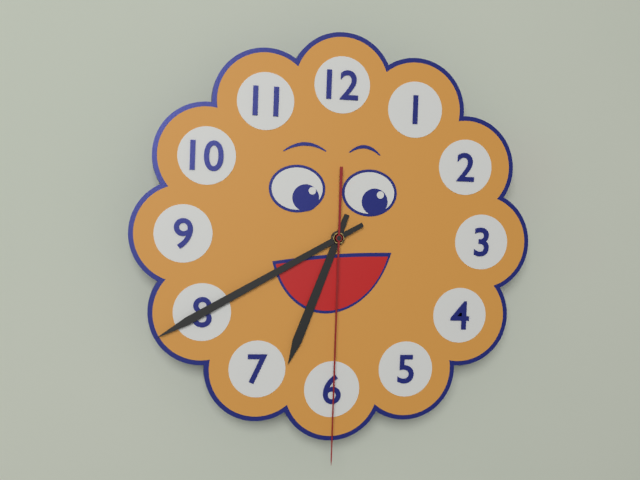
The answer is 6,40,30
